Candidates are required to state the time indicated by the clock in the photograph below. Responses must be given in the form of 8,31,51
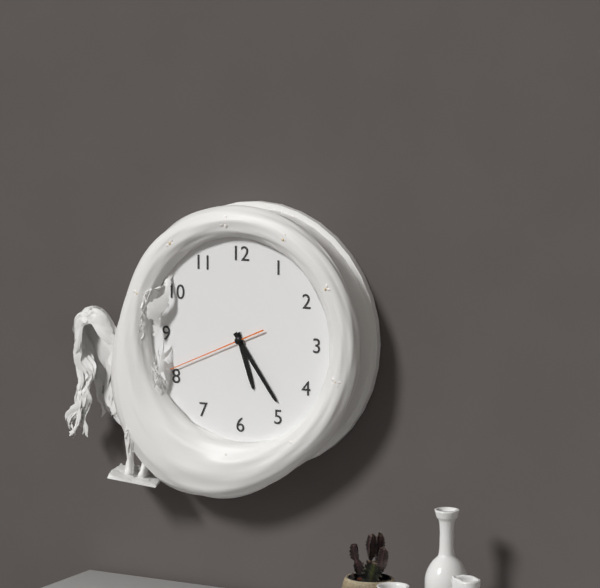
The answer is 5,24,41
